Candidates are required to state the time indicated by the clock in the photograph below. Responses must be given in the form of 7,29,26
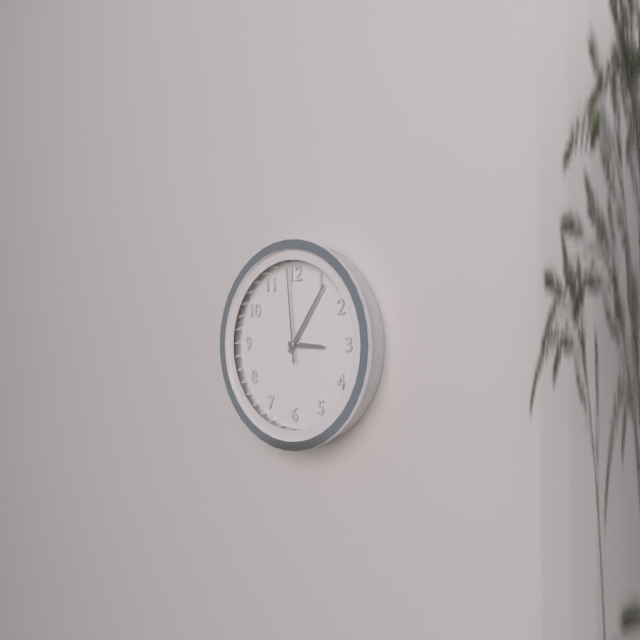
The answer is 3,06,59
